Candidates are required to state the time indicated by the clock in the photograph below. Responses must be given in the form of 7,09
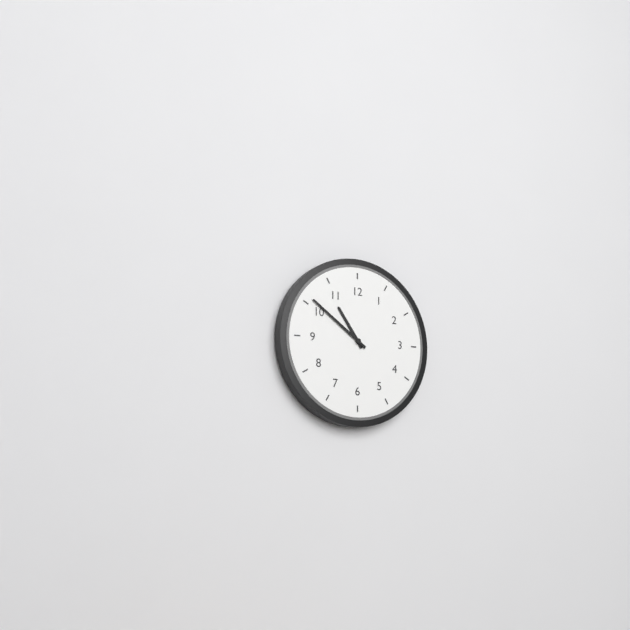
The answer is 10,51
